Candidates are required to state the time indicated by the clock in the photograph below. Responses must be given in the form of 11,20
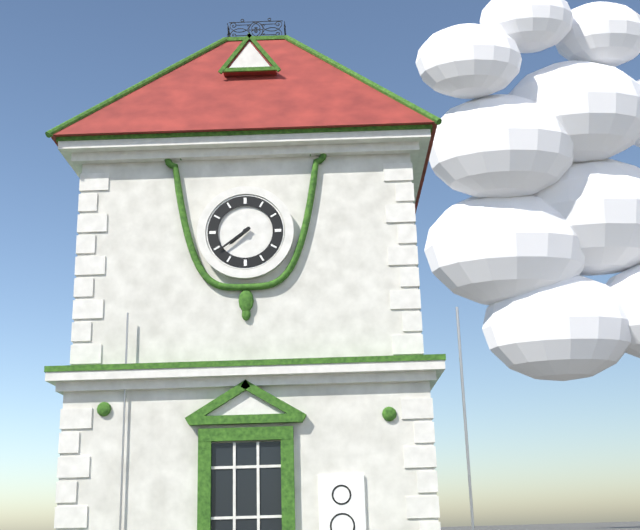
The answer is 7,39
